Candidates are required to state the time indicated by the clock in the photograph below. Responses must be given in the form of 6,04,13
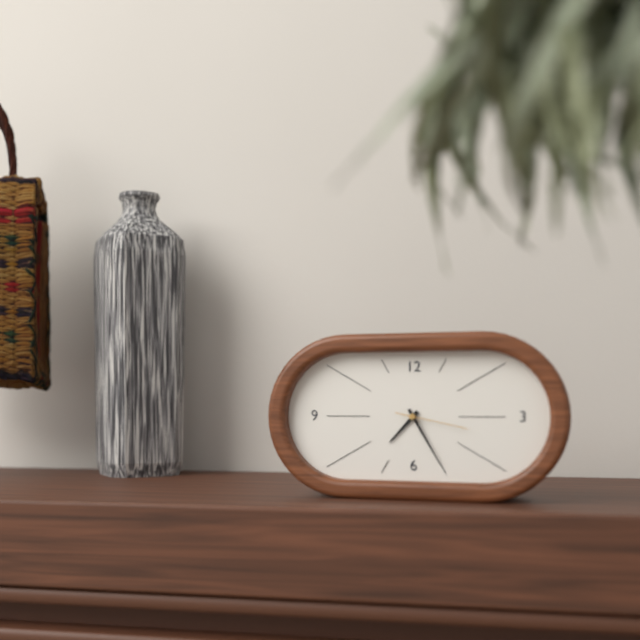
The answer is 7,25,17
